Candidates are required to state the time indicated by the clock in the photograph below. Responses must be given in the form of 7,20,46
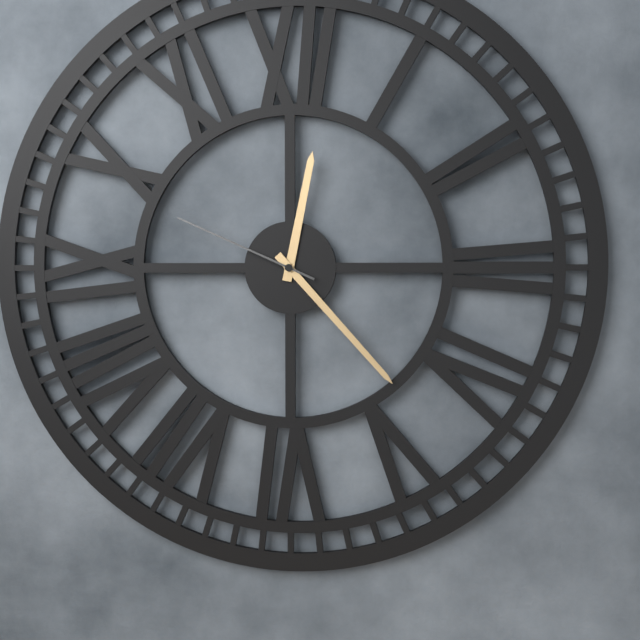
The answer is 12,23,49
